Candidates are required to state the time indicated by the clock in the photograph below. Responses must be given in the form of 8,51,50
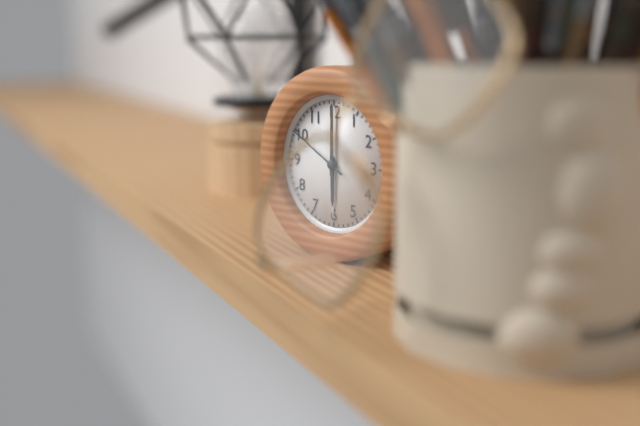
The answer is 6,00,50
